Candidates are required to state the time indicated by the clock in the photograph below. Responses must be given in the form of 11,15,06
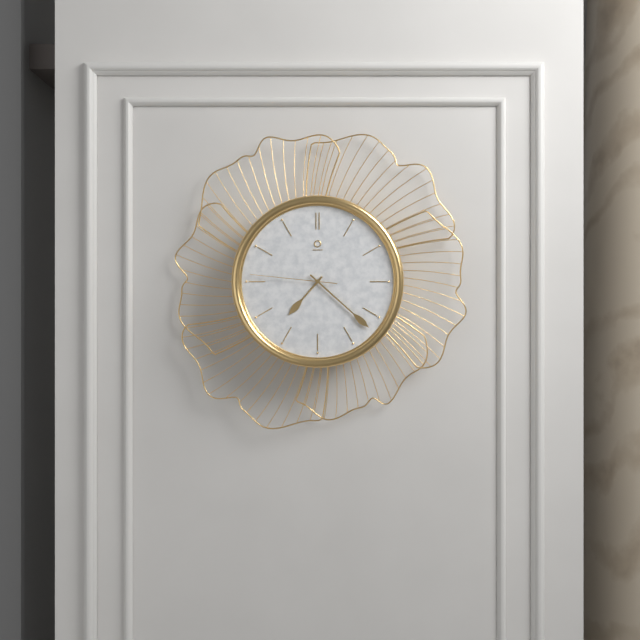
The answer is 7,22,46
